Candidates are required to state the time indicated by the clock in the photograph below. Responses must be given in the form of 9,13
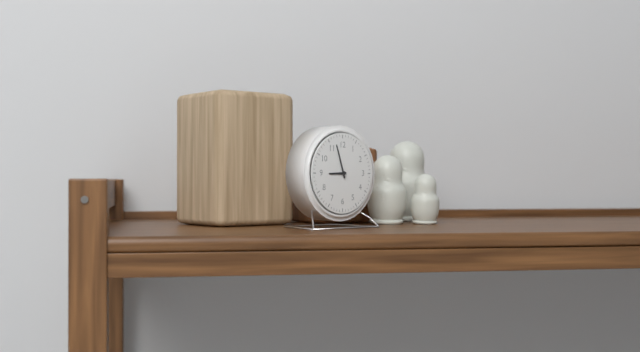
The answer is 8,57
